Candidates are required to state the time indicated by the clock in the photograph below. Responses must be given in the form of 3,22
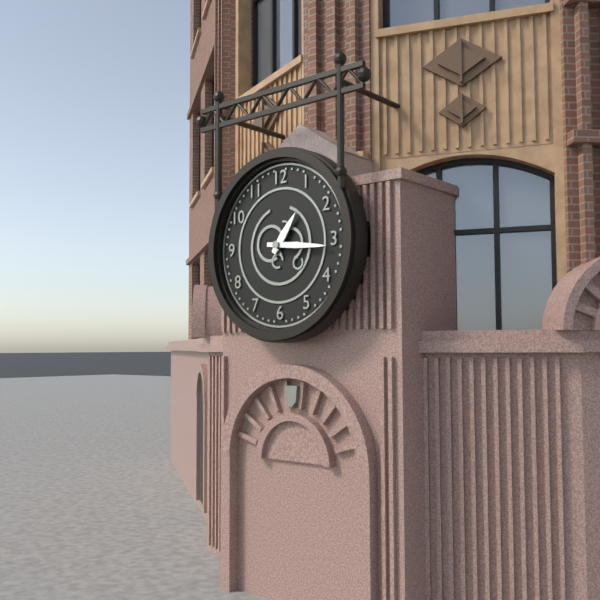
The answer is 1,16
